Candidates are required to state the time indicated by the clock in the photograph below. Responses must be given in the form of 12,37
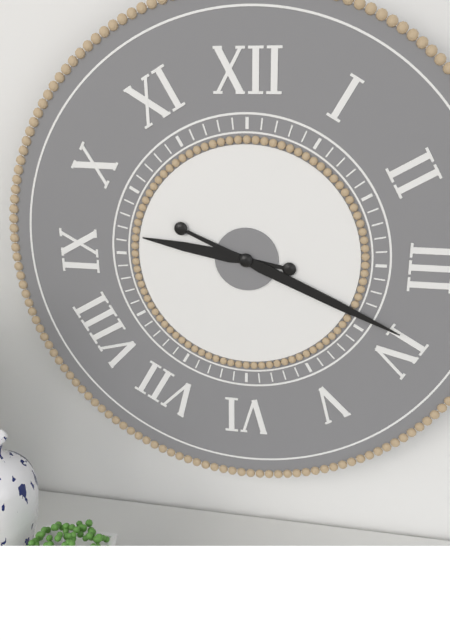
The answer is 9,19
